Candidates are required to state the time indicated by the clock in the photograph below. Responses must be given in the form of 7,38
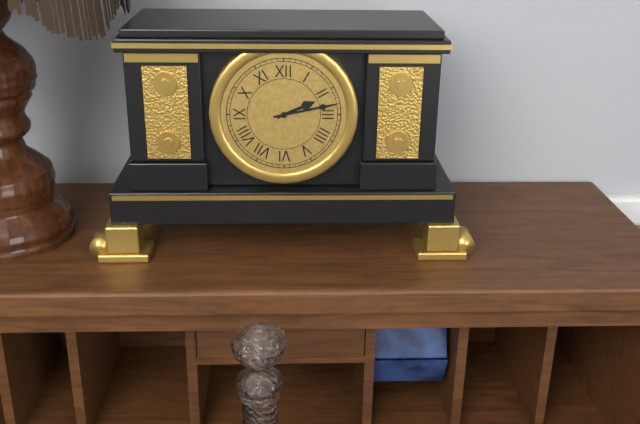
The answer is 2,13
